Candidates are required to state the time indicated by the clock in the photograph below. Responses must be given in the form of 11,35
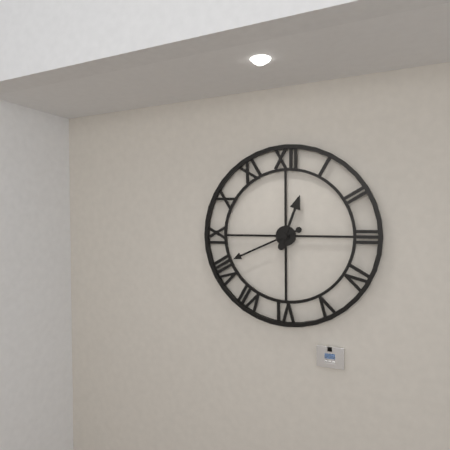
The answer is 12,41
